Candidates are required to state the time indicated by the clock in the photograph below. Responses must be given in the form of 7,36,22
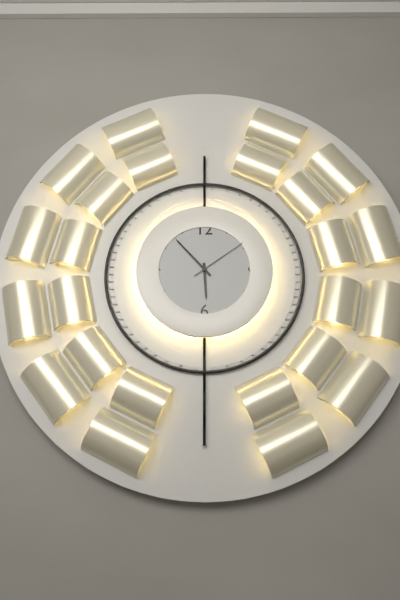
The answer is 5,53,09
